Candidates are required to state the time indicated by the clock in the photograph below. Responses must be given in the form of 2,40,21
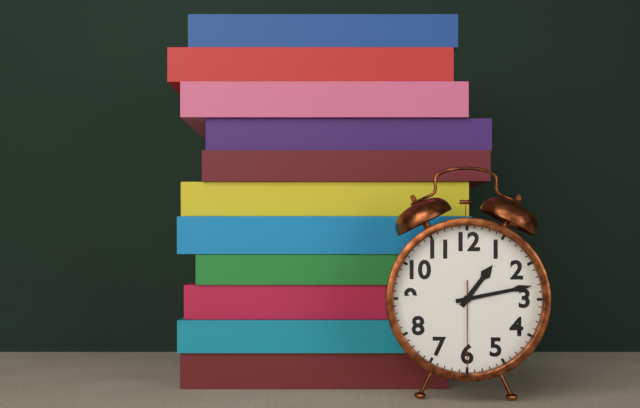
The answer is 1,13,30
